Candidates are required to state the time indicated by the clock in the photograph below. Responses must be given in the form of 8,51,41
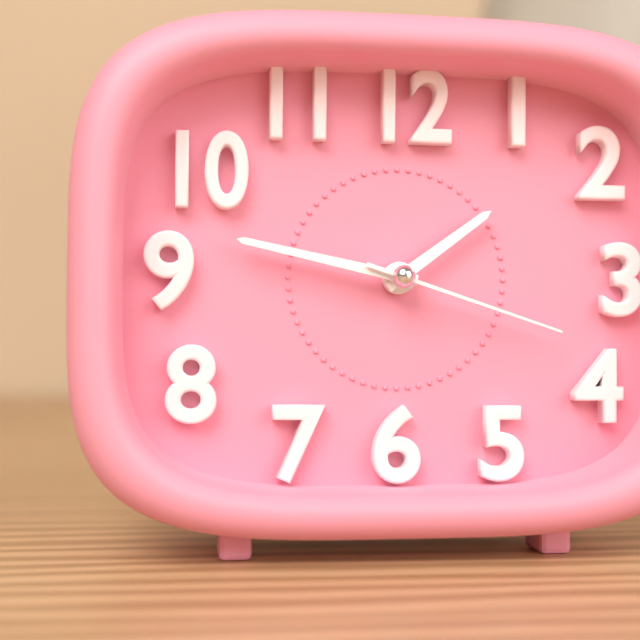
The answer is 1,47,18
